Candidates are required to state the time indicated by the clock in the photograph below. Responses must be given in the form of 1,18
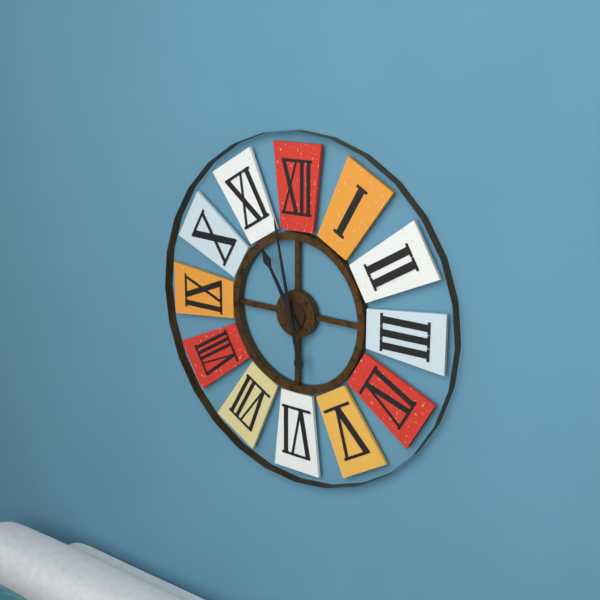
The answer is 10,58
